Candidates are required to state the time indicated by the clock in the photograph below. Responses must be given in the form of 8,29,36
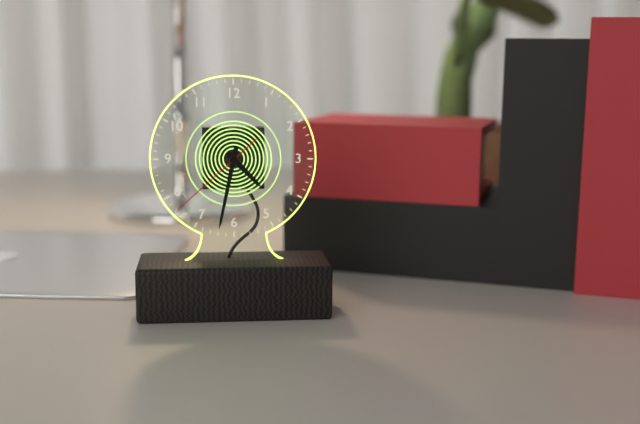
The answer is 4,32,38
